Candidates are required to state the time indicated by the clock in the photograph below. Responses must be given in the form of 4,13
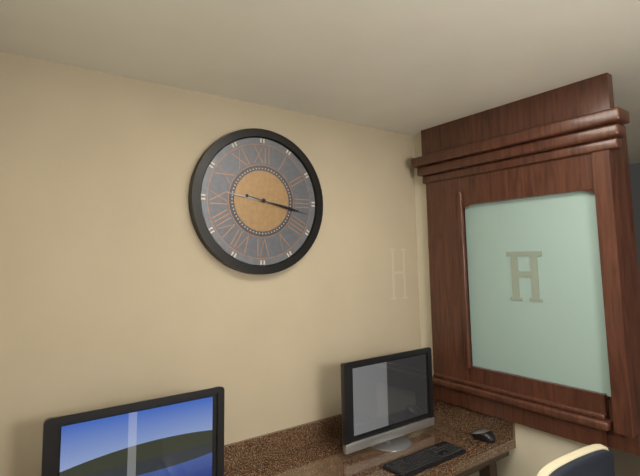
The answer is 9,17
